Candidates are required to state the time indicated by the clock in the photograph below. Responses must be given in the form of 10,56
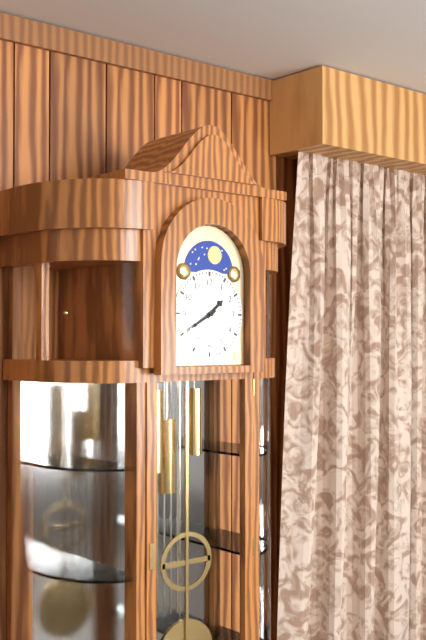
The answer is 1,40
